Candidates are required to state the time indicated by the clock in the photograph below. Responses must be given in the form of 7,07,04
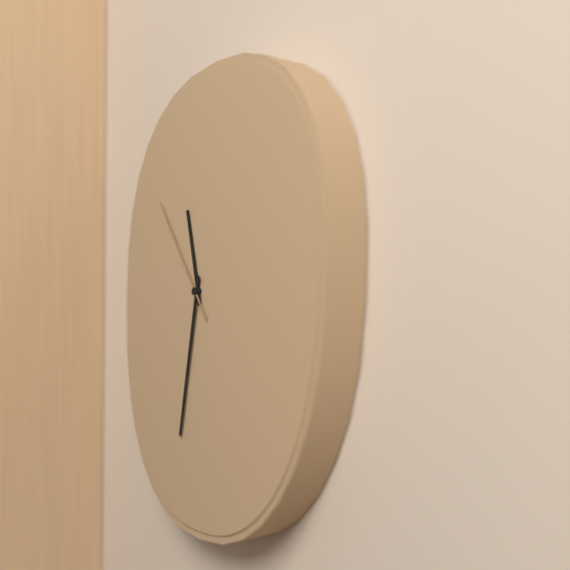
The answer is 11,32,54
